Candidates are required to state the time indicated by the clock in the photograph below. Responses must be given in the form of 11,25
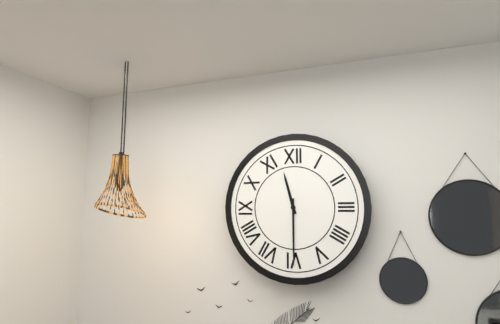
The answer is 11,30
